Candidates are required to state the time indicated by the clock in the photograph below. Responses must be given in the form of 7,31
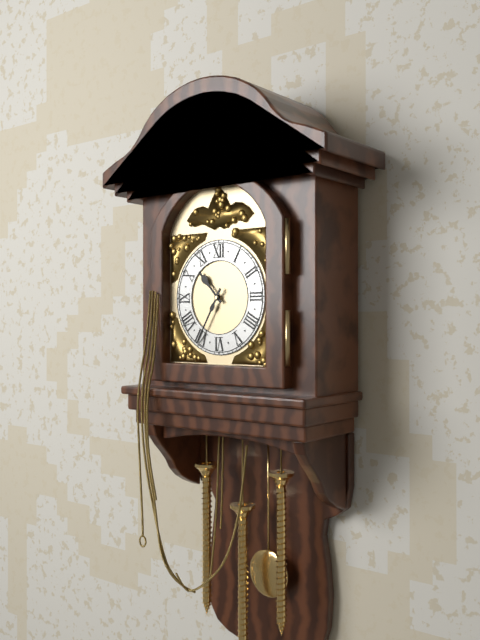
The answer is 10,35
